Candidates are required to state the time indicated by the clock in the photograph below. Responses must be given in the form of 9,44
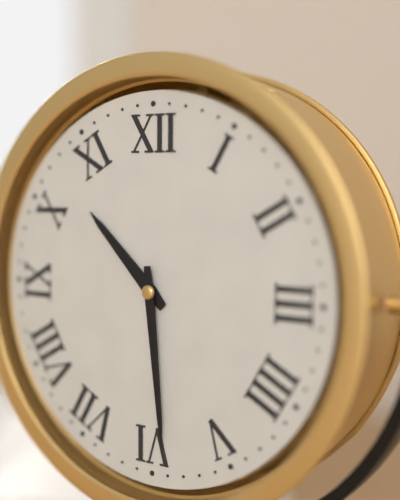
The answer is 10,29
